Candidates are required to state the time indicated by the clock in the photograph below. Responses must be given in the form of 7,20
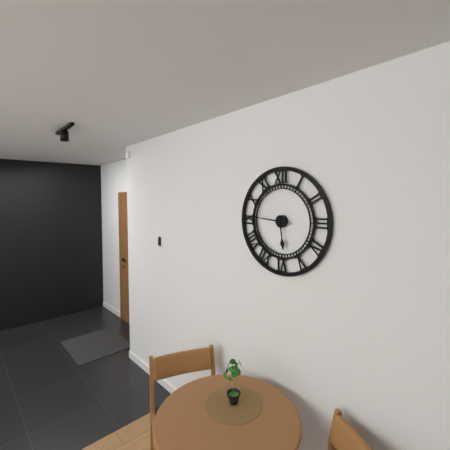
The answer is 5,46
